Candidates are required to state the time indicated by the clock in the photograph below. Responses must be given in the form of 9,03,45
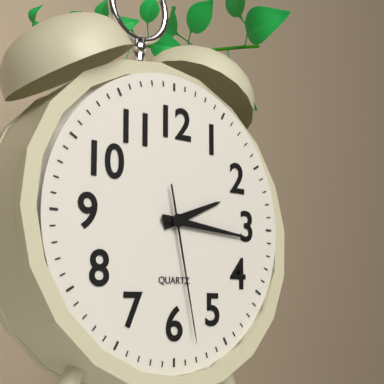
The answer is 2,16,28
